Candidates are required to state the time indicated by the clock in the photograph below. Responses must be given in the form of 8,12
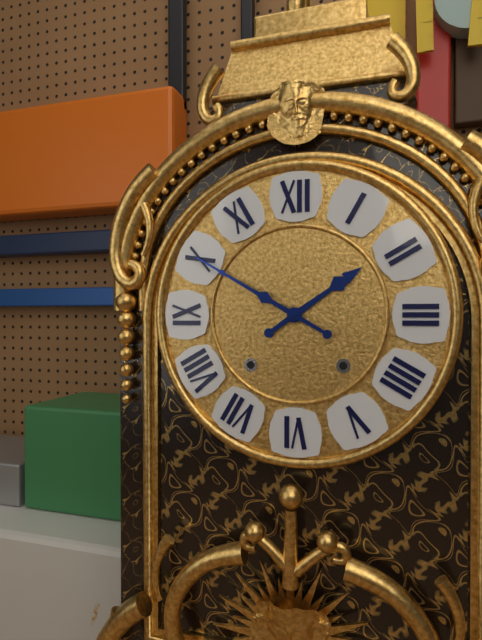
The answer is 1,50
